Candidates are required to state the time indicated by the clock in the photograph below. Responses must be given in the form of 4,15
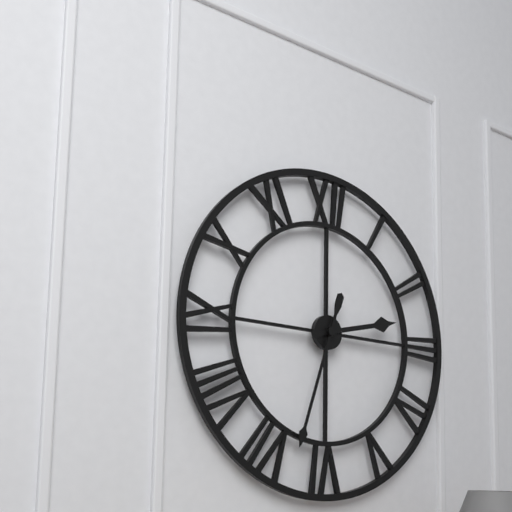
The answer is 2,33
